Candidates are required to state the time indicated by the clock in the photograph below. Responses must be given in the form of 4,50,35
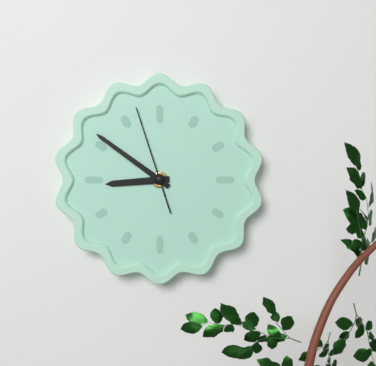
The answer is 8,51,57
